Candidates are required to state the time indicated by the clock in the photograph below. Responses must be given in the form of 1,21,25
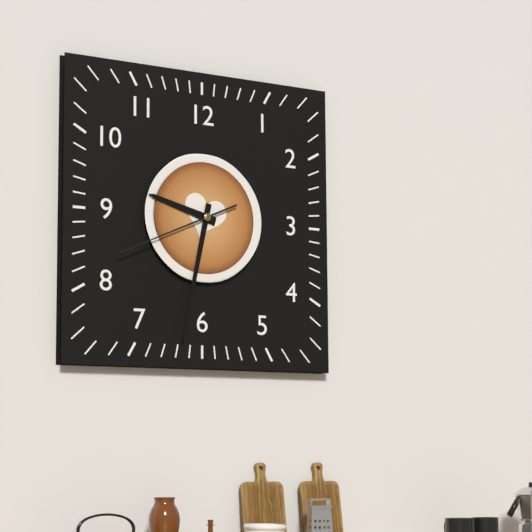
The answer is 9,32,41
